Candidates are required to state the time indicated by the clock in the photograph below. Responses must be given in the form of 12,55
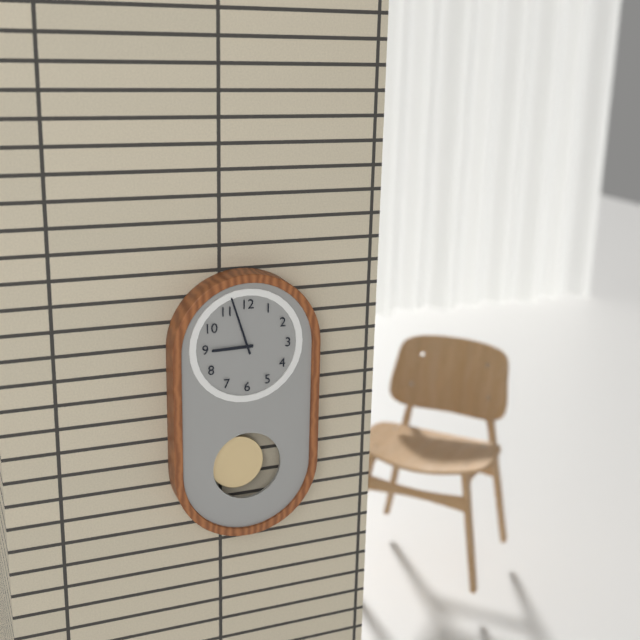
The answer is 8,57
